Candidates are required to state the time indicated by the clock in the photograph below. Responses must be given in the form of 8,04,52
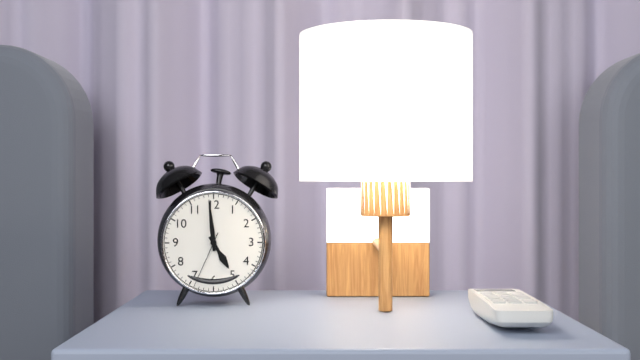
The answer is 4,59,34
